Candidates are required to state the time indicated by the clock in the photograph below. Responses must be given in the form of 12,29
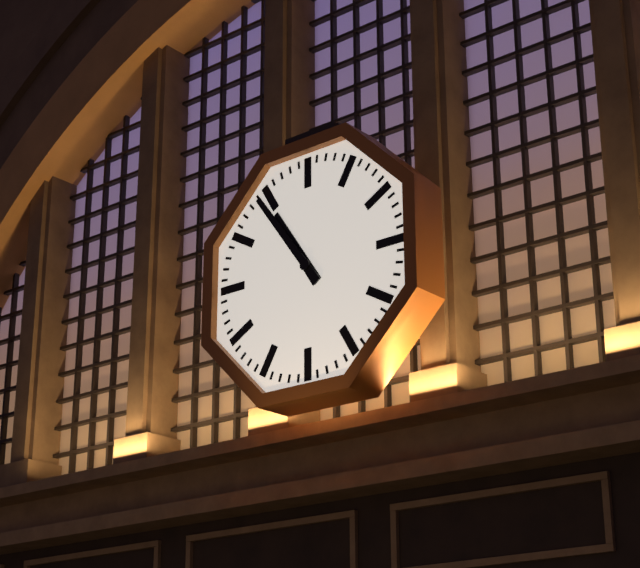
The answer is 10,54
